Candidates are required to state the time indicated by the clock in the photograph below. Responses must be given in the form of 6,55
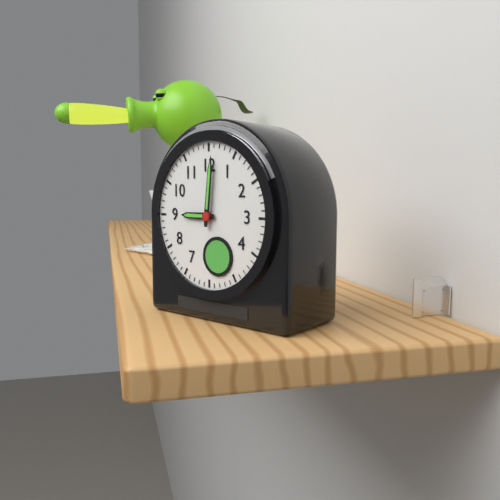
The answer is 9,01
